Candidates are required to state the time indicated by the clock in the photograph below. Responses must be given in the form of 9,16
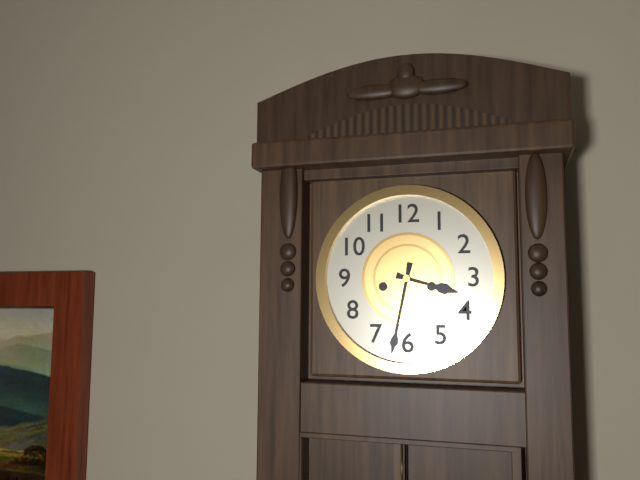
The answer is 3,32
